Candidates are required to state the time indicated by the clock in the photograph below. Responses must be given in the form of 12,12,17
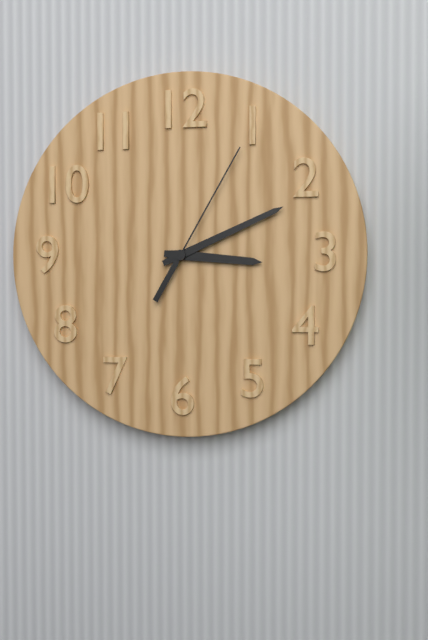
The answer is 3,11,05
